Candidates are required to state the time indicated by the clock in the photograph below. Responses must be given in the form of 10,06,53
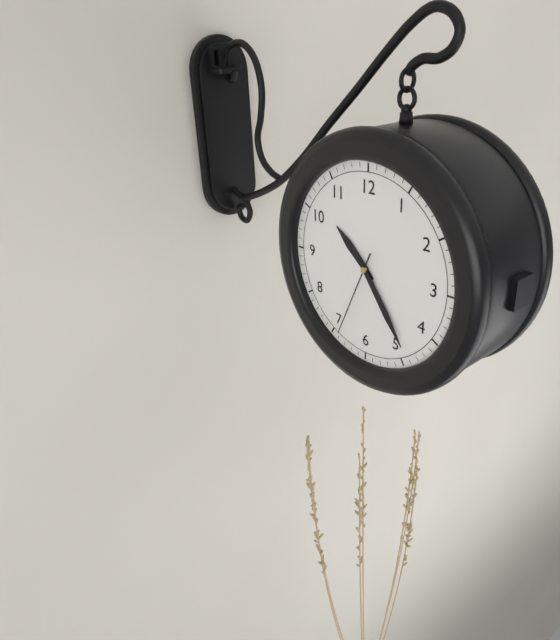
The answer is 10,24,34
